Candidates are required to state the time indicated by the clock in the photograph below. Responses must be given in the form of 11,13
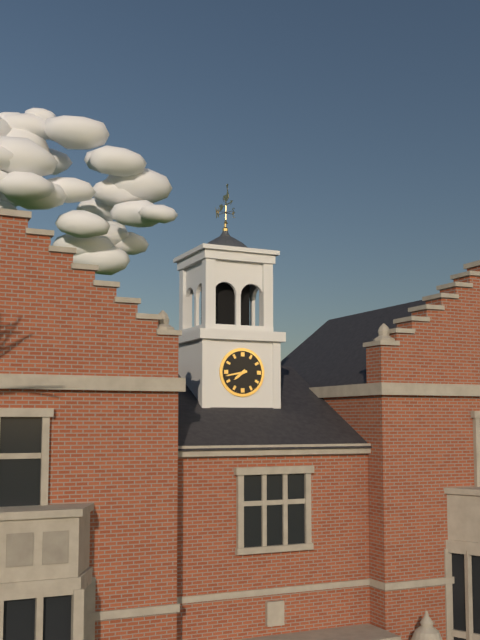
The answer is 7,43
